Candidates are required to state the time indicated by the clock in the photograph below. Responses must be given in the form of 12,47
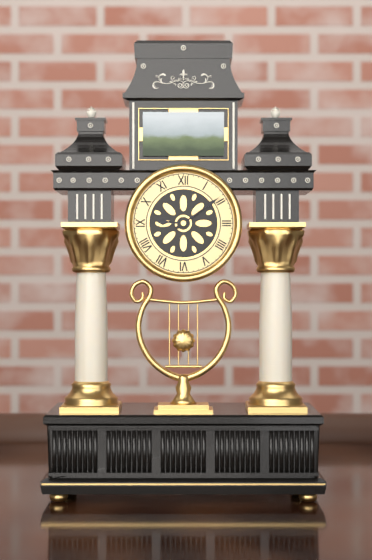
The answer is 9,09
